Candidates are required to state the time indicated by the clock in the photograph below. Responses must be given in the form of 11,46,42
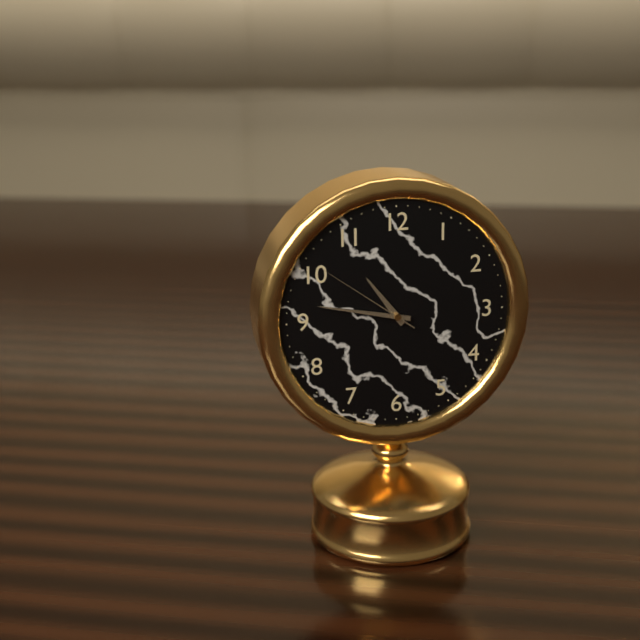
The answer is 10,47,51
